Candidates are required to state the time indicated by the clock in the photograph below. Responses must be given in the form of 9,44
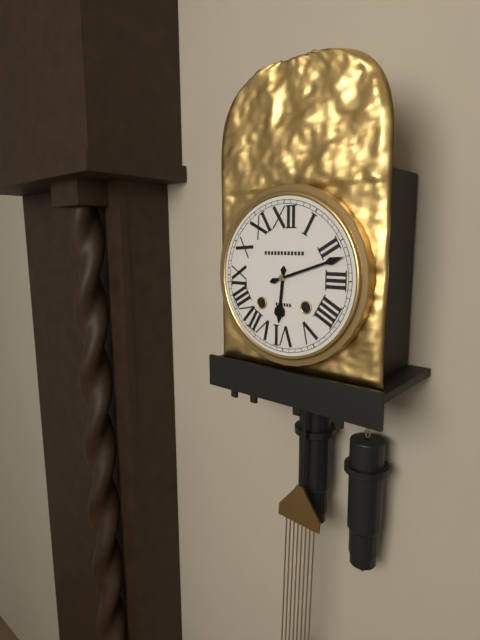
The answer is 6,12
